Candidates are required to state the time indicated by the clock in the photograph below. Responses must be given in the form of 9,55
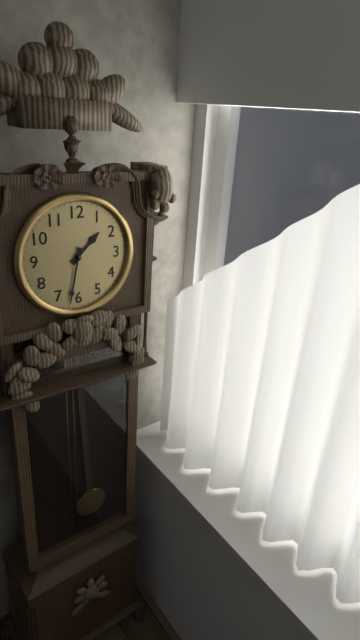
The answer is 1,32
